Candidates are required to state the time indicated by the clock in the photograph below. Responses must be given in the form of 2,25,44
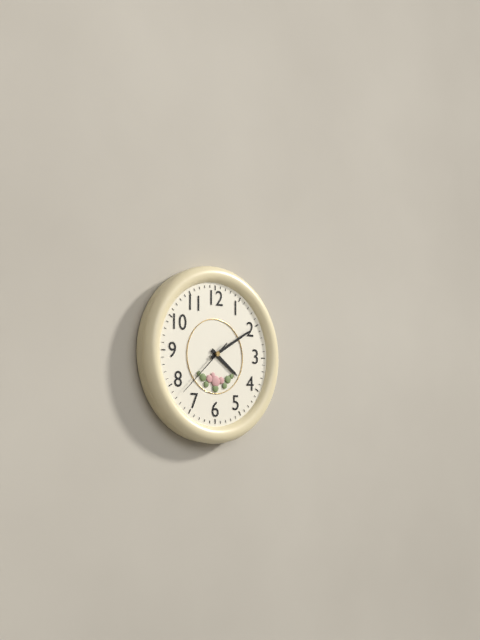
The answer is 4,10,38
